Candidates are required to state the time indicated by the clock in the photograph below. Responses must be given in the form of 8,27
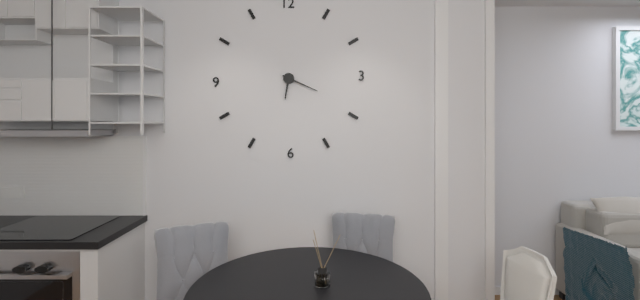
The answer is 6,19
